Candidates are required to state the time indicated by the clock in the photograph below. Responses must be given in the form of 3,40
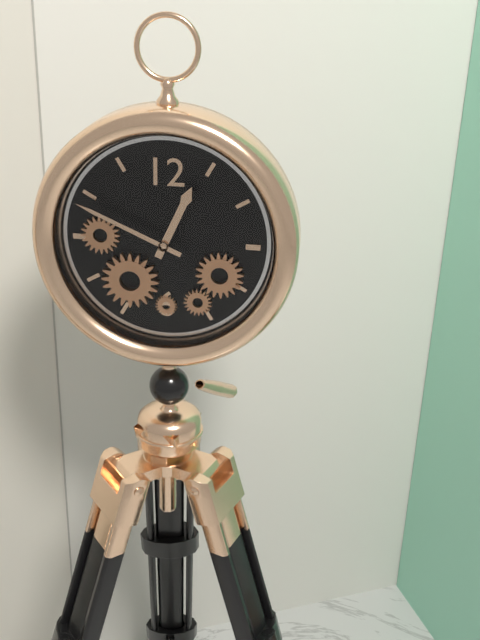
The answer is 12,49
